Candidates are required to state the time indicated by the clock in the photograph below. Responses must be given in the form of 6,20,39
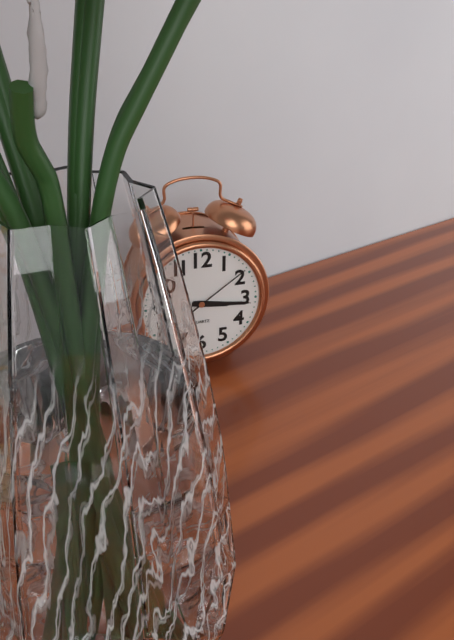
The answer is 3,16,09
